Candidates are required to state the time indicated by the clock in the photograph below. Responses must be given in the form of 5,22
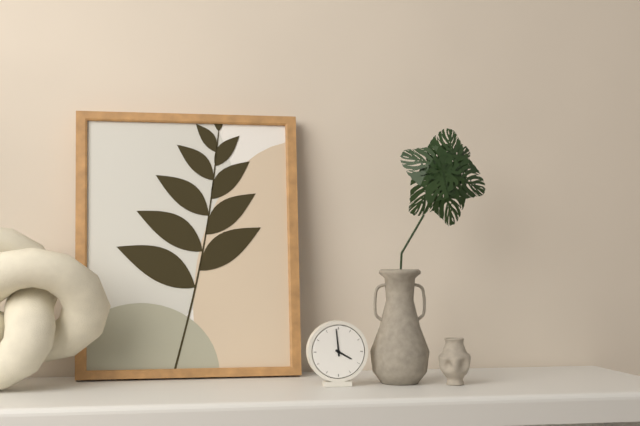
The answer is 3,59
